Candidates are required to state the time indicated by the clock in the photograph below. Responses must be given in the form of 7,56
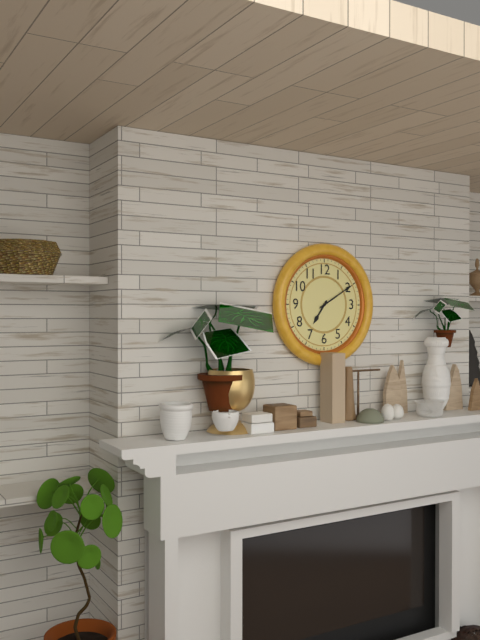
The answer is 7,10
